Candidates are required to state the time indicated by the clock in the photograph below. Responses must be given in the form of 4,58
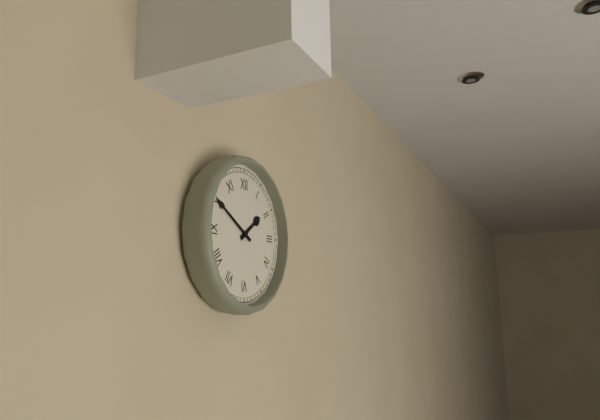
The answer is 1,50
